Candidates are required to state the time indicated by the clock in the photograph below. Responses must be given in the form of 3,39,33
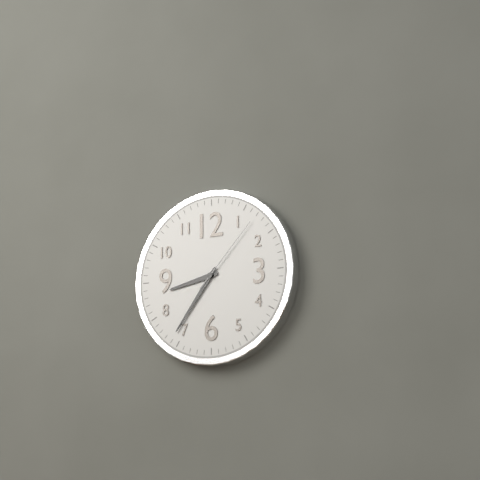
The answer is 8,36,07
